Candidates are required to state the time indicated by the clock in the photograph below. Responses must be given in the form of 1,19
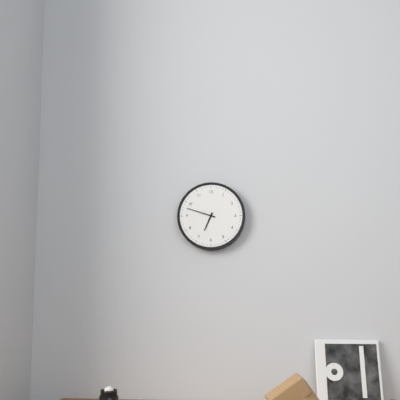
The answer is 6,48
